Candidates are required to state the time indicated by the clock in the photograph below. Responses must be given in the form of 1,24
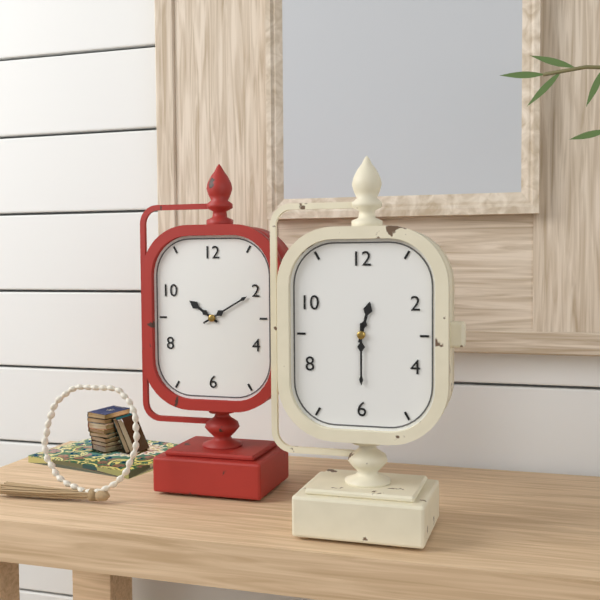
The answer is 12,30
